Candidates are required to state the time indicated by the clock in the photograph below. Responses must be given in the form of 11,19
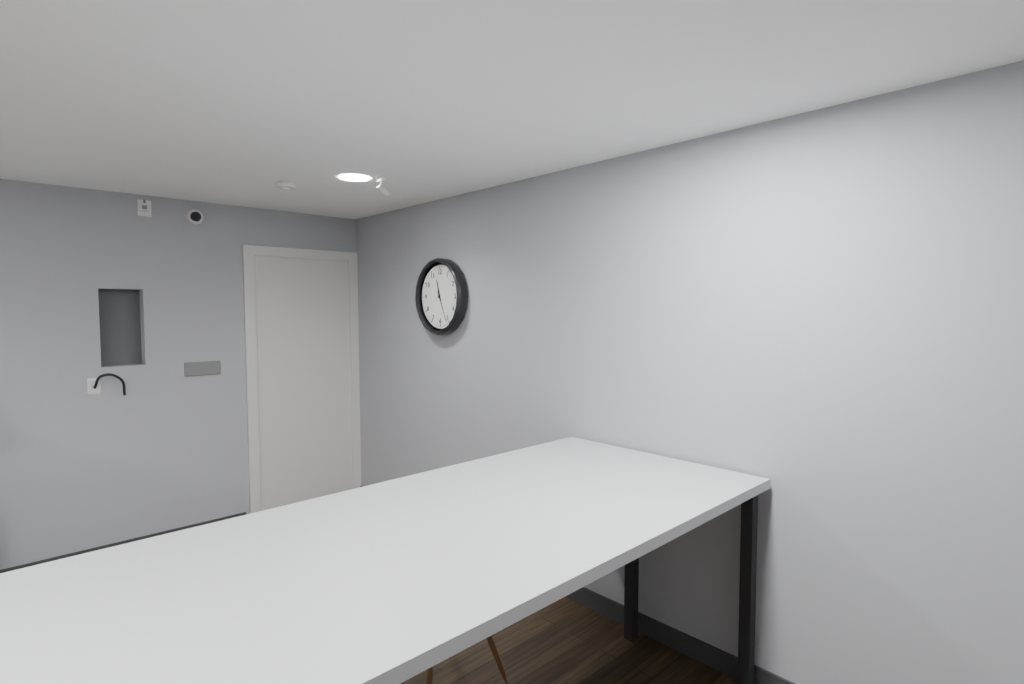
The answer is 11,26
